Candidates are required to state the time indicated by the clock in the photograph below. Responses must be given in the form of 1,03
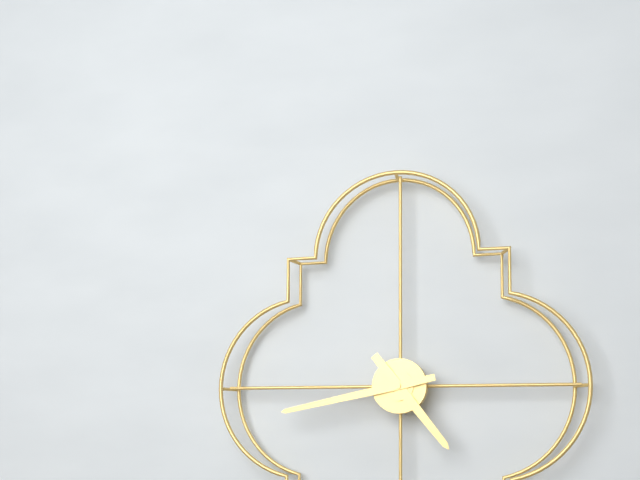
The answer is 4,43
